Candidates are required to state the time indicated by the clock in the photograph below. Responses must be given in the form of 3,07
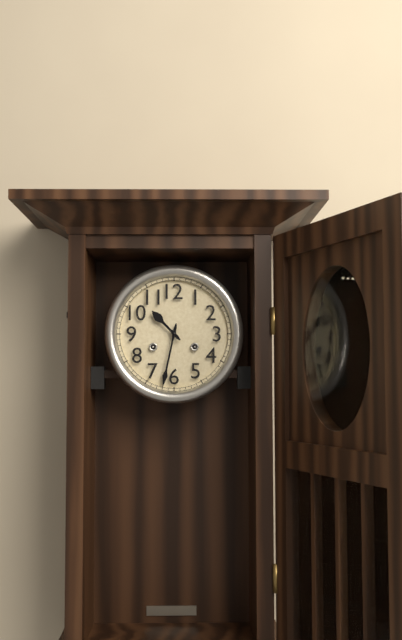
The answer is 10,32
